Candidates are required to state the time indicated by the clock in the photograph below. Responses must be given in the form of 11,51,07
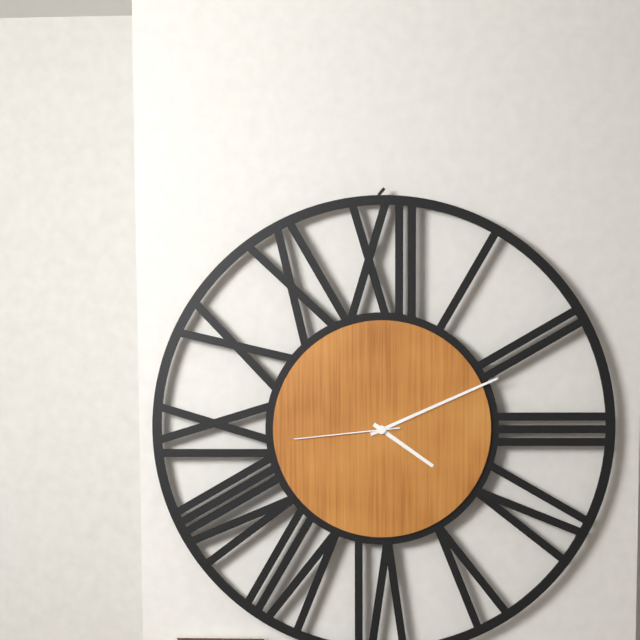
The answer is 4,11,44
